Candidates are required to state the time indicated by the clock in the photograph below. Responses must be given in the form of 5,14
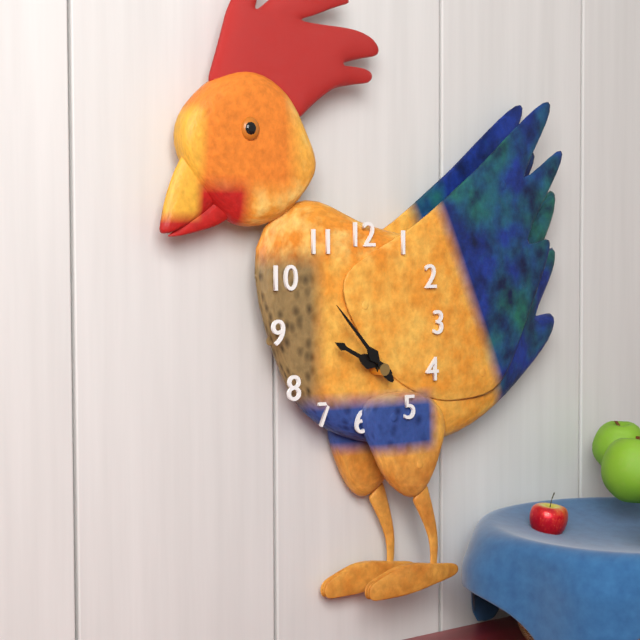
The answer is 9,53
